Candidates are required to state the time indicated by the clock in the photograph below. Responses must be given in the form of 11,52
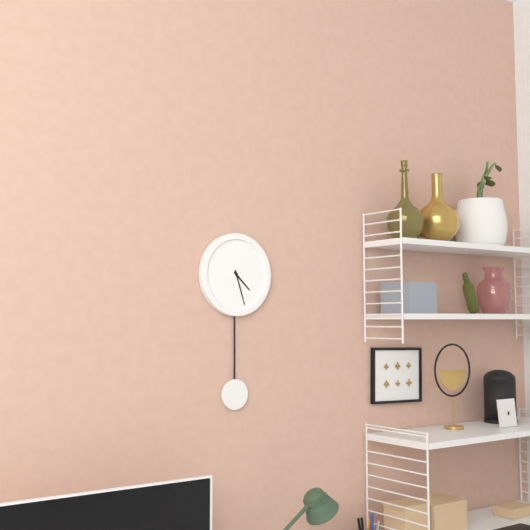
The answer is 4,27
